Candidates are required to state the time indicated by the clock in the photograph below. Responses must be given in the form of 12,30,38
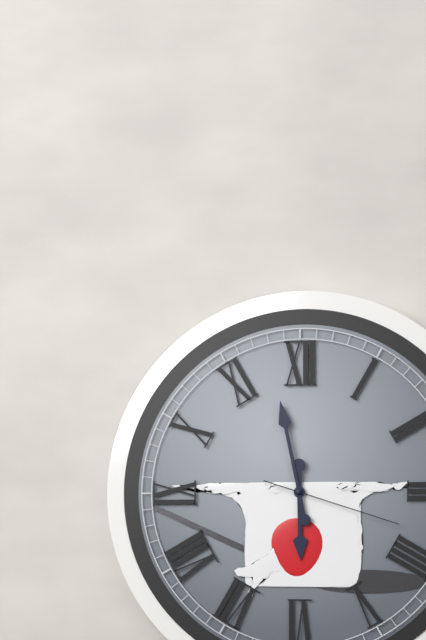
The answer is 5,58,18
